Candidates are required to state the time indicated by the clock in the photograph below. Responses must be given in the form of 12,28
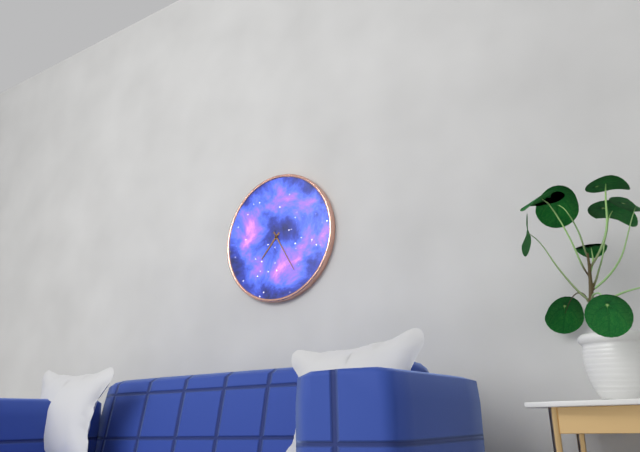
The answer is 7,25
